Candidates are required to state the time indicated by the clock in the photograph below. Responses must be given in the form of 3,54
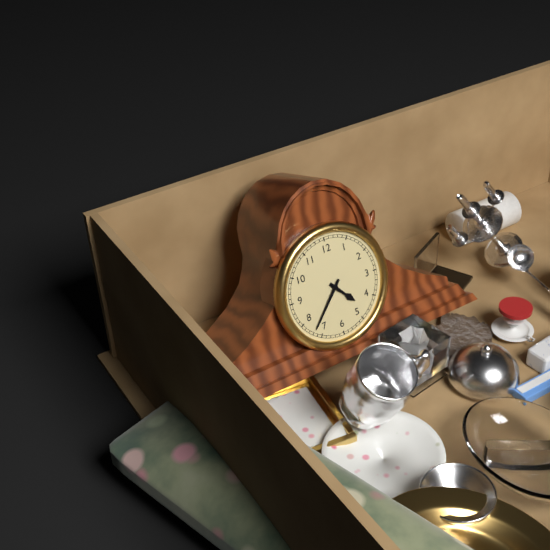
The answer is 4,37
